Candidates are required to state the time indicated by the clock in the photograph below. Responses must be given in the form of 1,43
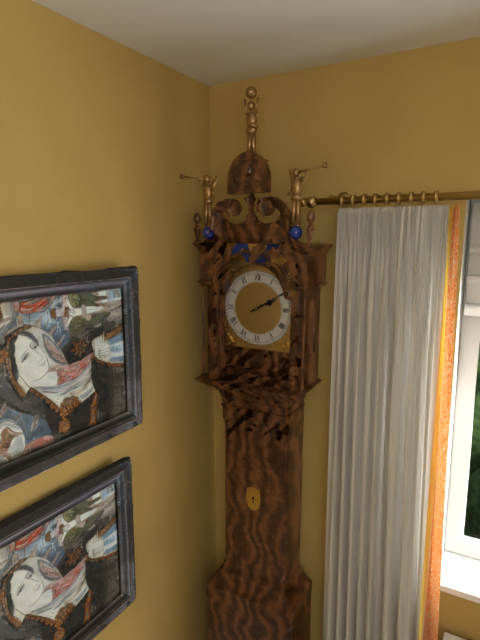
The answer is 2,10
